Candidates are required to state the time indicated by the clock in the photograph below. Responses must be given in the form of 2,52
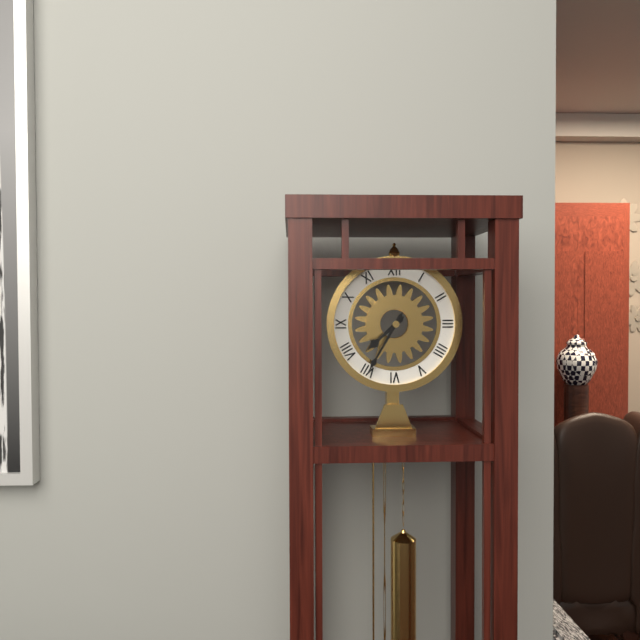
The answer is 7,35
